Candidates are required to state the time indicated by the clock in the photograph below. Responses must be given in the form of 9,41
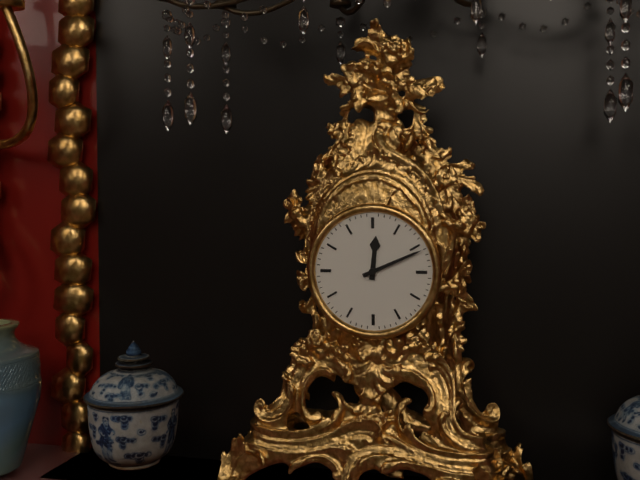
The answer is 12,11
